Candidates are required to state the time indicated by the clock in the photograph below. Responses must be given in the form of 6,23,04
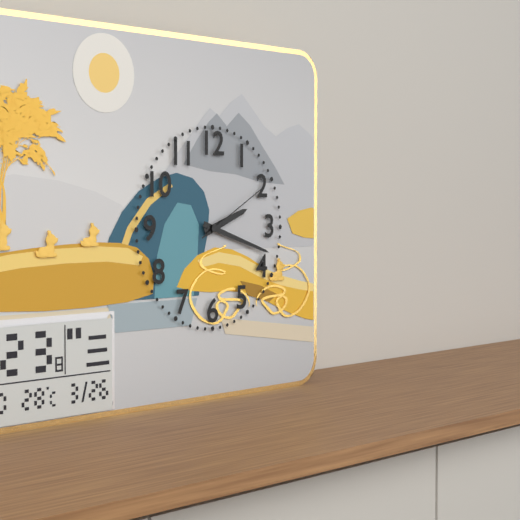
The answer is 2,18,10
